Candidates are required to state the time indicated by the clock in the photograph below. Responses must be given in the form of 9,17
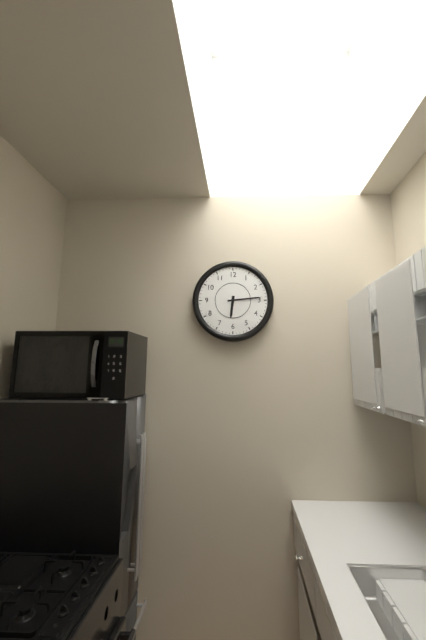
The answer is 6,14
